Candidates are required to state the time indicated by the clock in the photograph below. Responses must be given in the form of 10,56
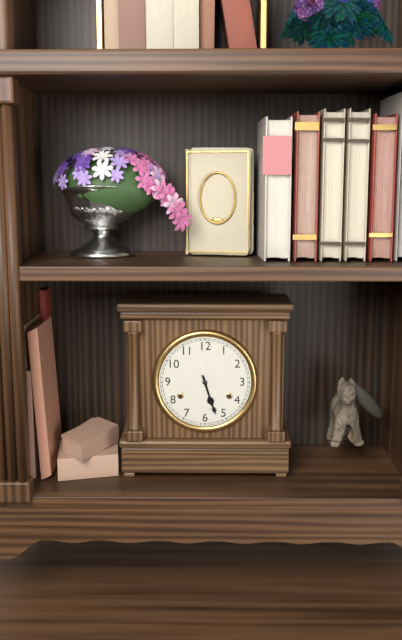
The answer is 5,27
